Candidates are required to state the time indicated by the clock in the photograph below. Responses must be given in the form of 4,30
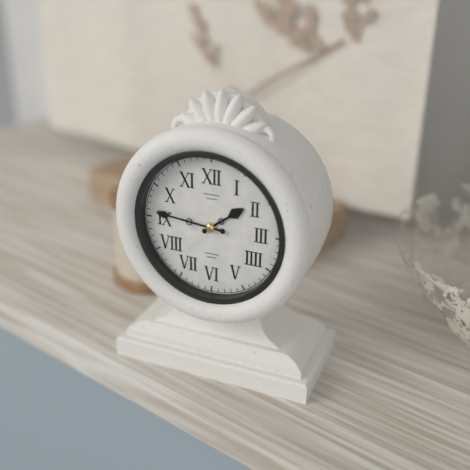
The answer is 1,46
